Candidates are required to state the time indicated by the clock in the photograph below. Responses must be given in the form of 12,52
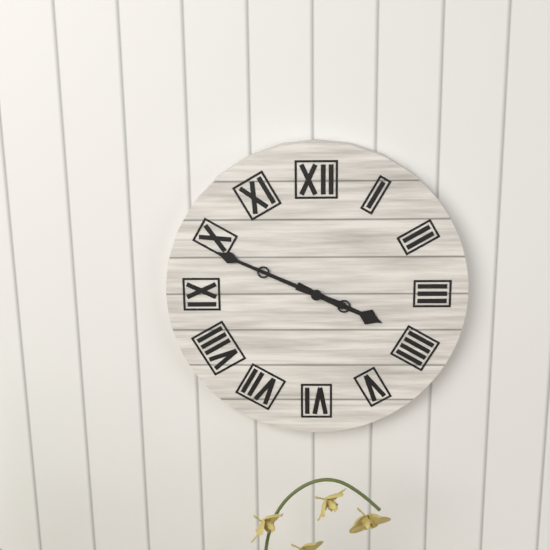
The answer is 3,49
